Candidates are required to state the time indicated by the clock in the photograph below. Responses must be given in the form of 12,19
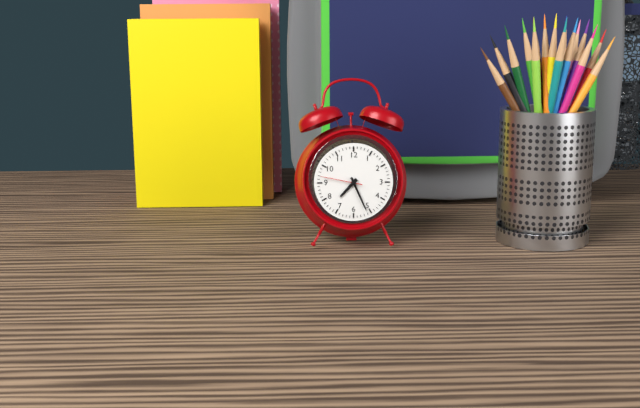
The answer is 7,26
